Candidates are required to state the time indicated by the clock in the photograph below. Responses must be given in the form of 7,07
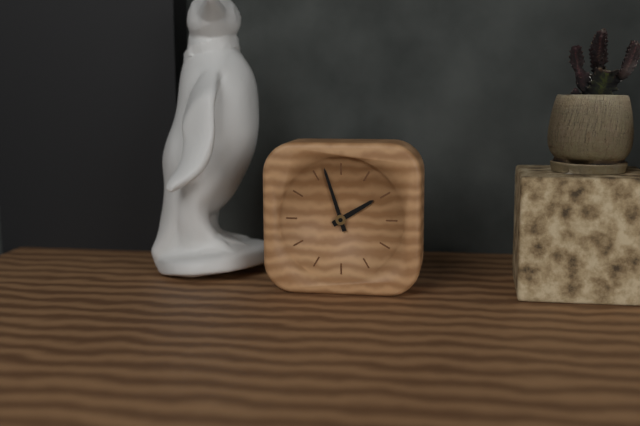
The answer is 1,57
